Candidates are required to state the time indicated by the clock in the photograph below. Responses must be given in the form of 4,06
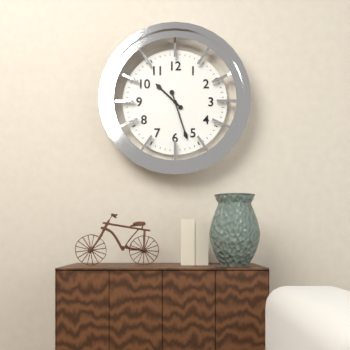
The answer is 10,27
